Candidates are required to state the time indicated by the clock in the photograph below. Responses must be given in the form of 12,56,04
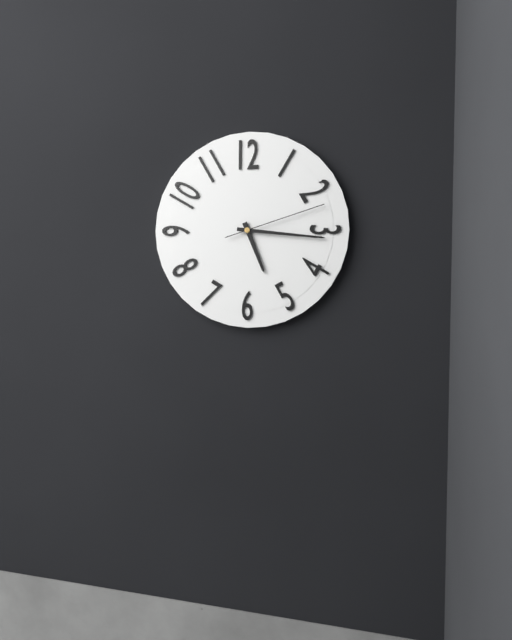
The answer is 5,16,12
